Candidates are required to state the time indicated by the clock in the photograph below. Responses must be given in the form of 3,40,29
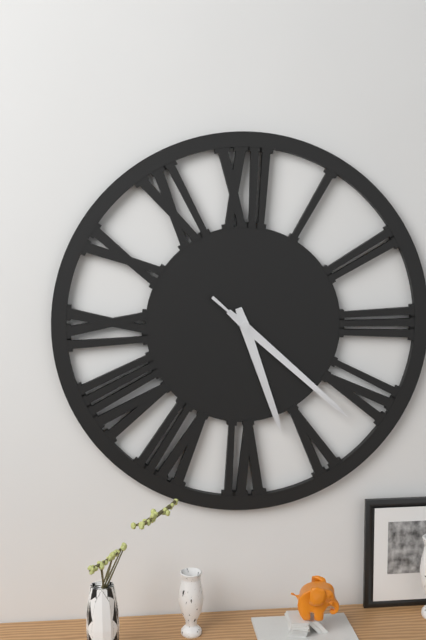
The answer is 5,22,22
